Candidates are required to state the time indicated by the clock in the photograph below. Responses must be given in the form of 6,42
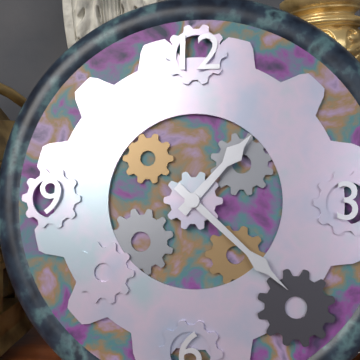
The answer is 1,22
